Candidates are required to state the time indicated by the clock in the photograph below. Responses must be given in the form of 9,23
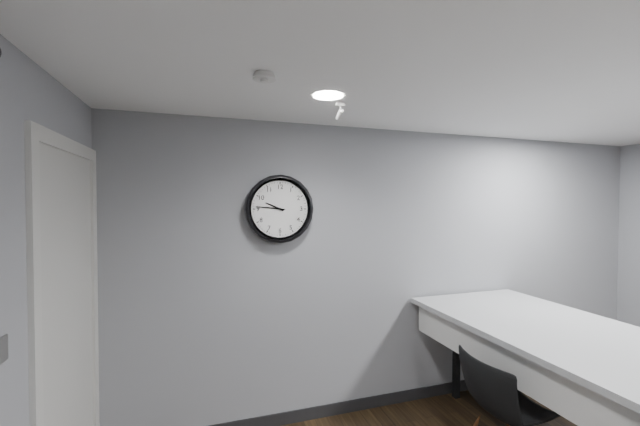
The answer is 9,46
